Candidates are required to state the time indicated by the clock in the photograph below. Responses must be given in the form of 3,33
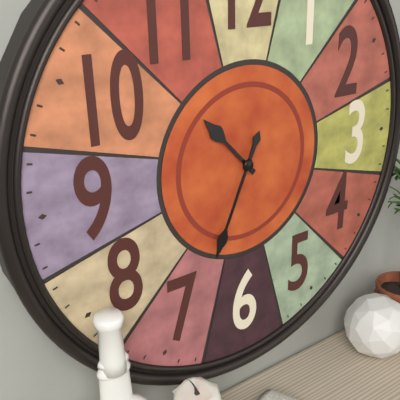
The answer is 10,34
